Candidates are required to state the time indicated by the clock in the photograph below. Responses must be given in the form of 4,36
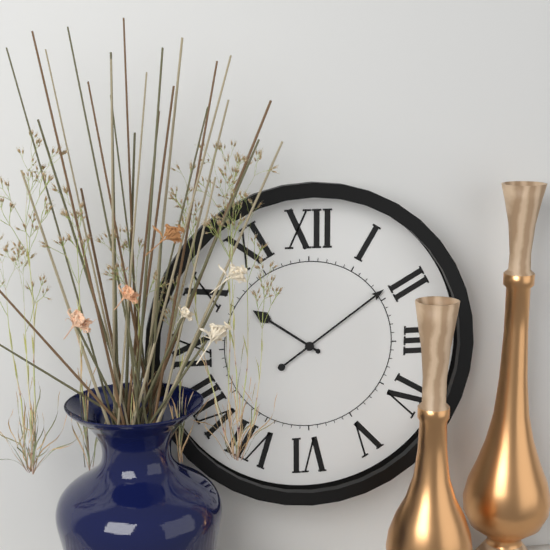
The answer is 10,09
